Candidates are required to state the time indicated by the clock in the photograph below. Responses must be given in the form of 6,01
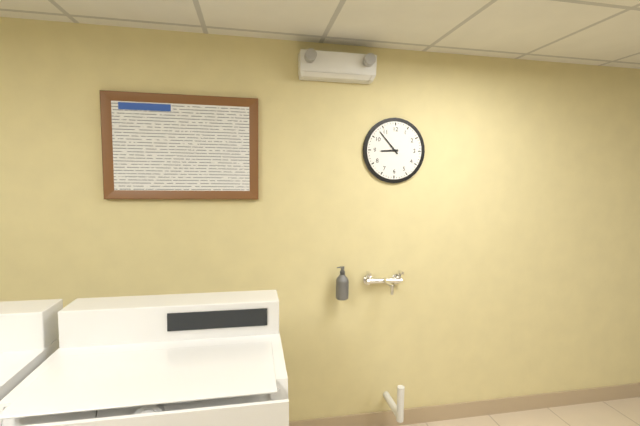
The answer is 8,53
